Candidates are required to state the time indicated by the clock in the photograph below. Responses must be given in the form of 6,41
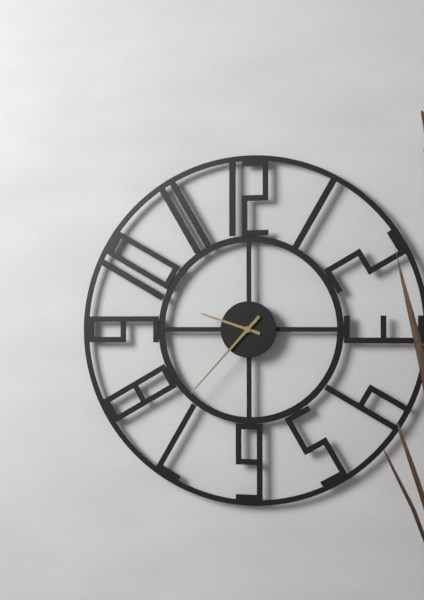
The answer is 9,37
